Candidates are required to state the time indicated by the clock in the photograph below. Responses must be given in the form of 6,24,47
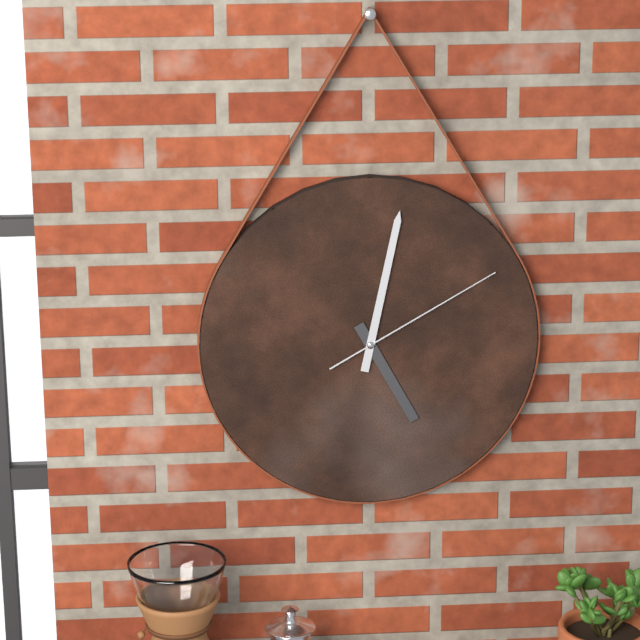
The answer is 5,02,10
